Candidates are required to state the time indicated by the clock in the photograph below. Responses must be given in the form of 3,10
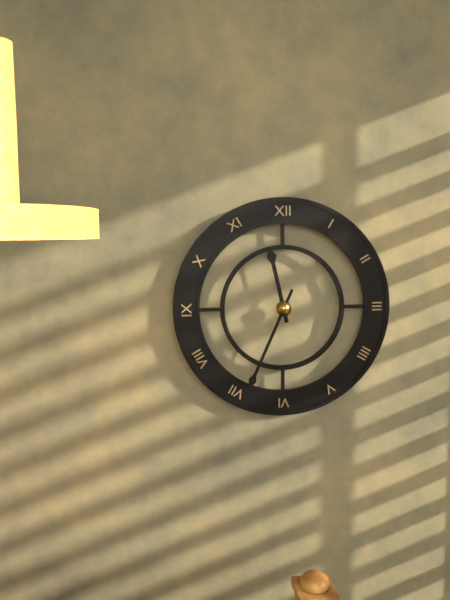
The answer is 11,34
